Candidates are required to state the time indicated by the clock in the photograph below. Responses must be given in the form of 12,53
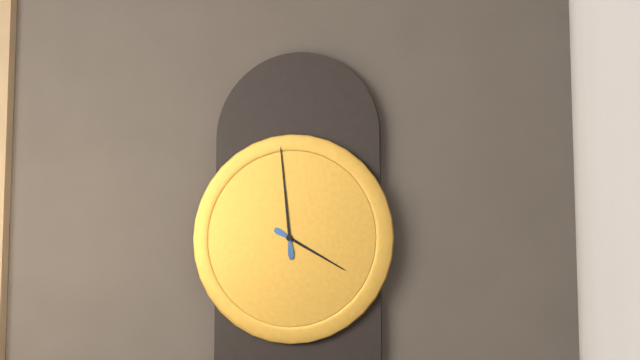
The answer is 3,59
